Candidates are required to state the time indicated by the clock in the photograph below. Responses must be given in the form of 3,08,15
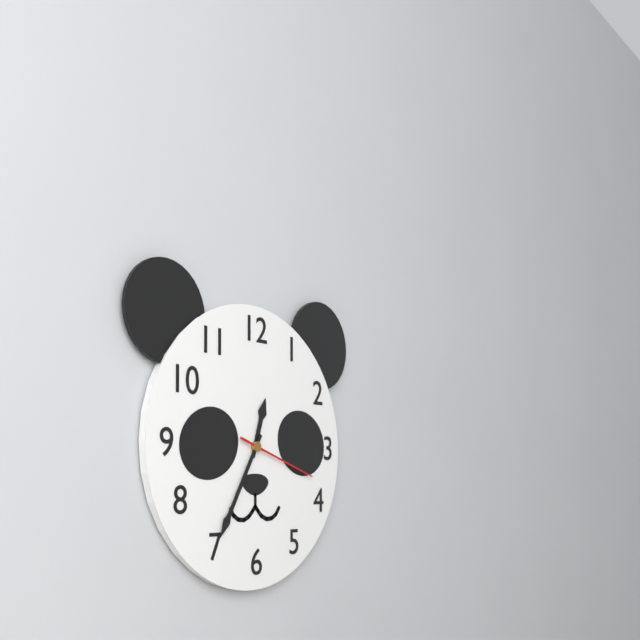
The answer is 12,35,18
